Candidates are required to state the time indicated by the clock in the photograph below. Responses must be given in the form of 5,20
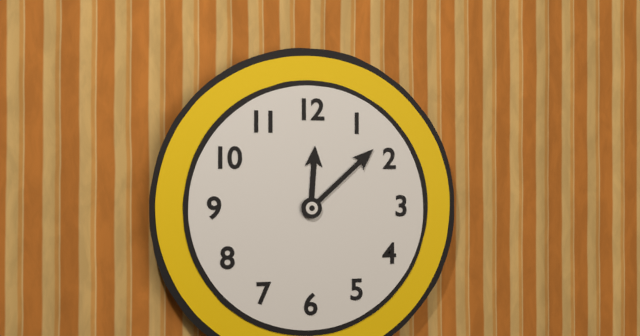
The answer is 12,08
